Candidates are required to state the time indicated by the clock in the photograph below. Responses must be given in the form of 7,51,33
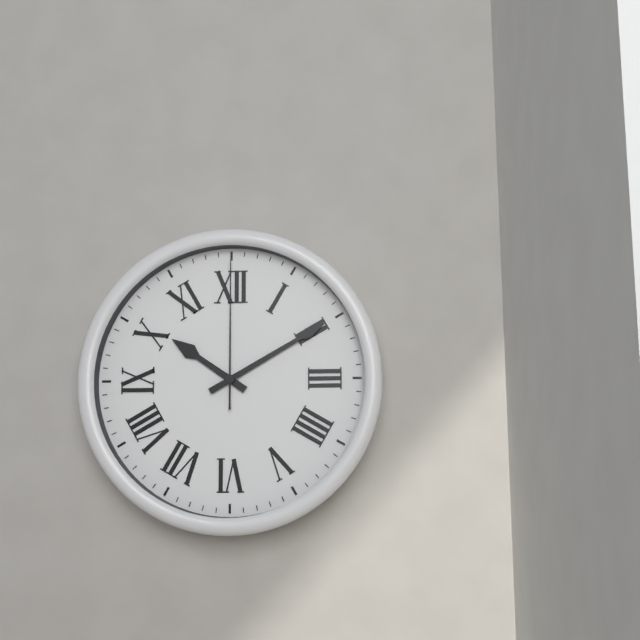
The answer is 10,10,00
